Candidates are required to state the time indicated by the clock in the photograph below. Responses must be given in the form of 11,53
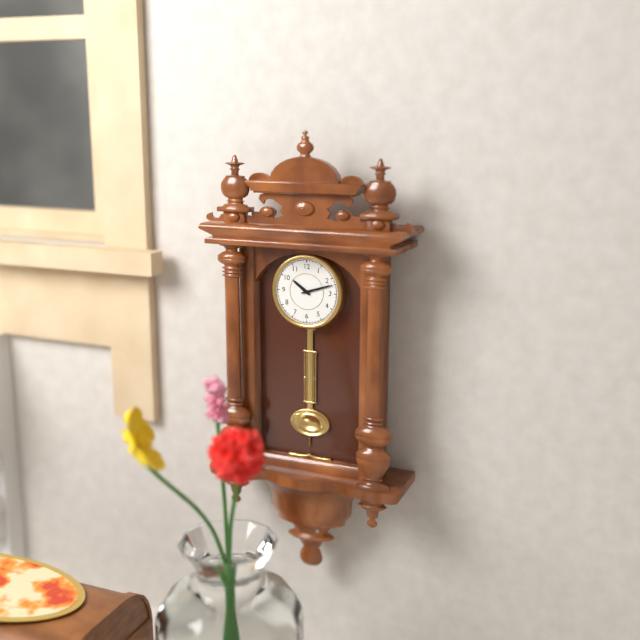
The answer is 10,12
